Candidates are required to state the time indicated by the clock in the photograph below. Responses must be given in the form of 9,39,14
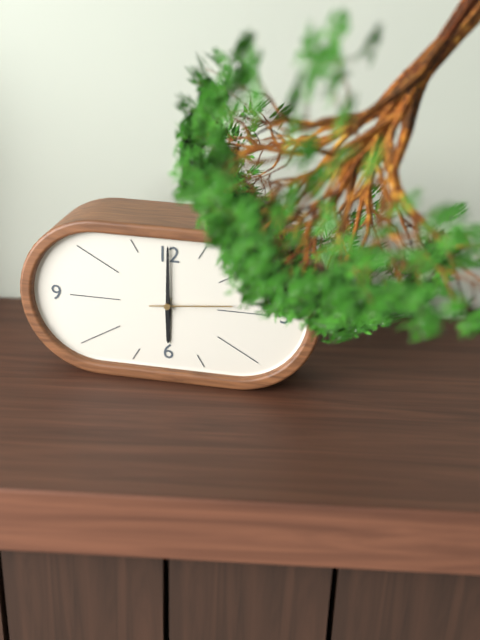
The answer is 6,00,14
